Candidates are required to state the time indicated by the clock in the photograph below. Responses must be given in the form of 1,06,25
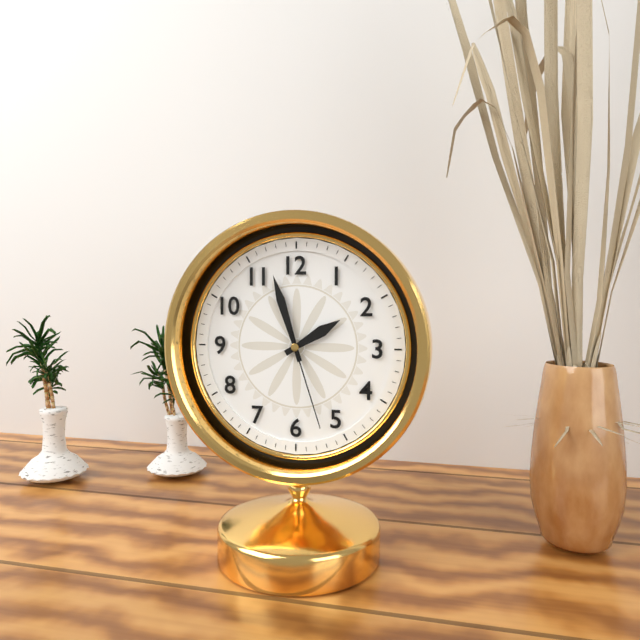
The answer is 1,57,27
